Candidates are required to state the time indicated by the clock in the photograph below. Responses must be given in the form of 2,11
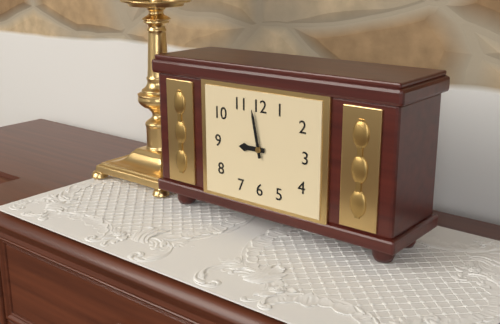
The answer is 8,58
